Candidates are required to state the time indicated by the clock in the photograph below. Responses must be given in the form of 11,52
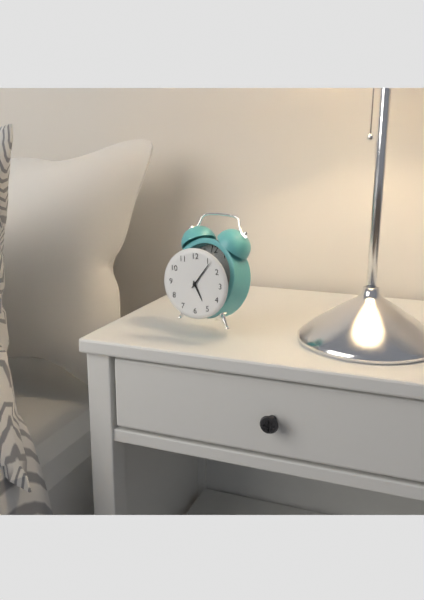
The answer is 5,06
